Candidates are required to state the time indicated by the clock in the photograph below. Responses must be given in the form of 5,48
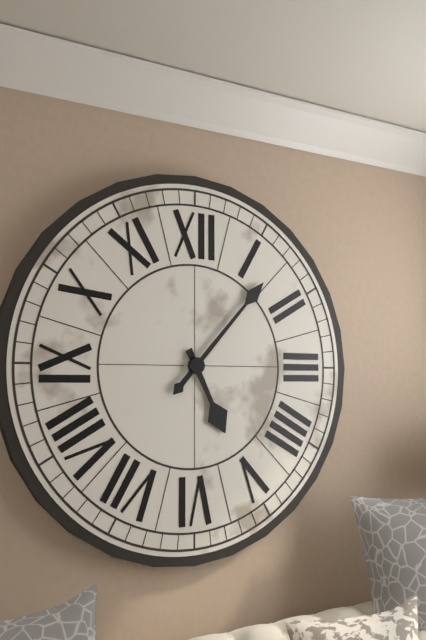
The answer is 5,07
